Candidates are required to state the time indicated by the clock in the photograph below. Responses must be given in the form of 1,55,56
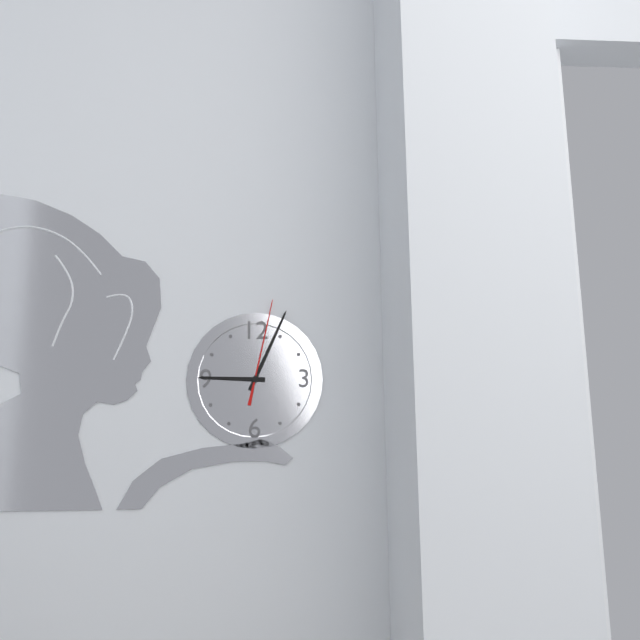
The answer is 9,04,02
